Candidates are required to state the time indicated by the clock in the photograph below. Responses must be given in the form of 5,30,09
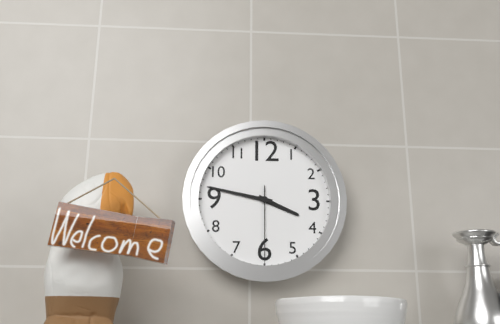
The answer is 3,47,30
